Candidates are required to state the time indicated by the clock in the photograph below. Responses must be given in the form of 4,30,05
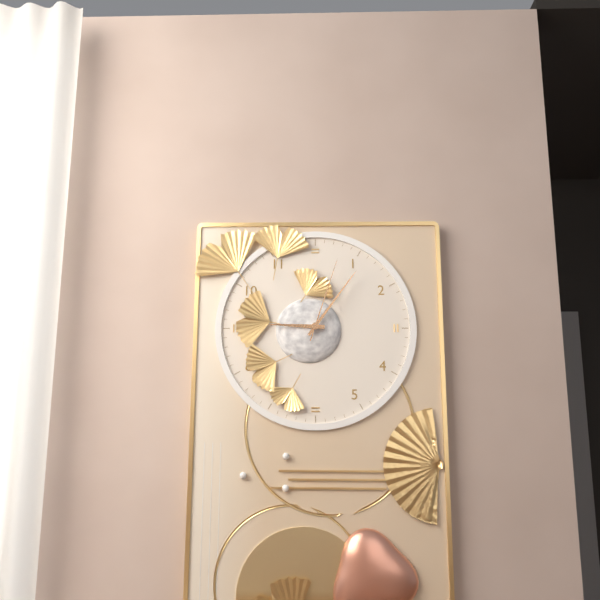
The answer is 9,06,03
